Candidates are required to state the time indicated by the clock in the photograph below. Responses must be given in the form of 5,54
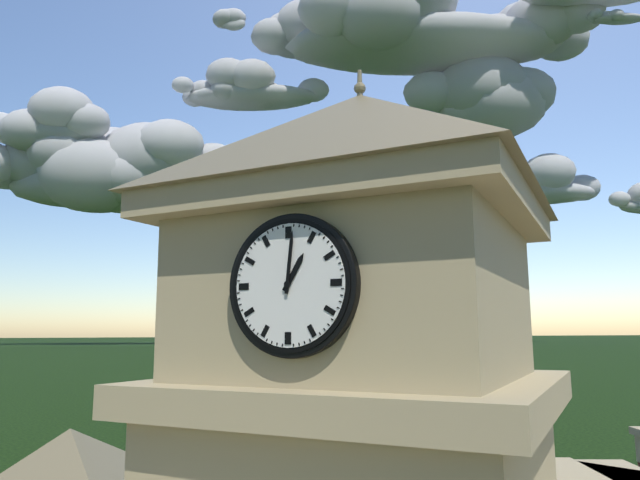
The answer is 1,01
